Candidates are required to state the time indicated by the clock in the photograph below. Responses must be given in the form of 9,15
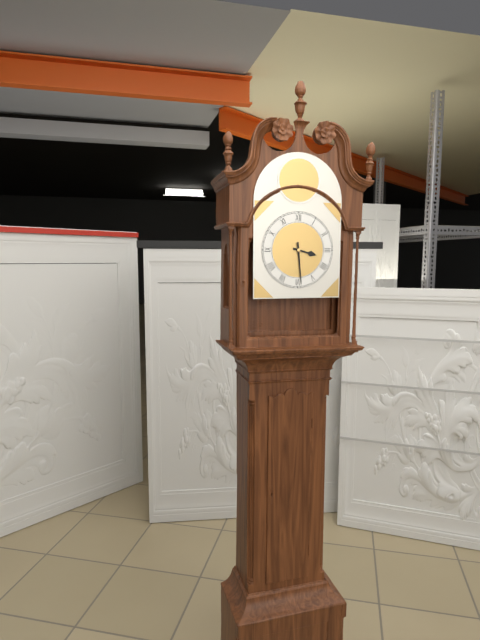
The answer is 3,29
